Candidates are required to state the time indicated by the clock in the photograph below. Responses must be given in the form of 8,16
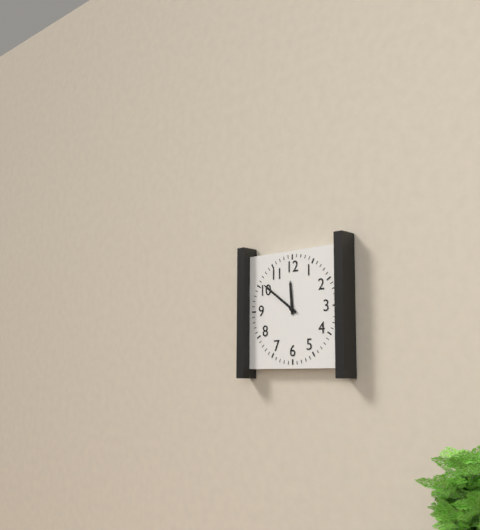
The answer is 11,51
